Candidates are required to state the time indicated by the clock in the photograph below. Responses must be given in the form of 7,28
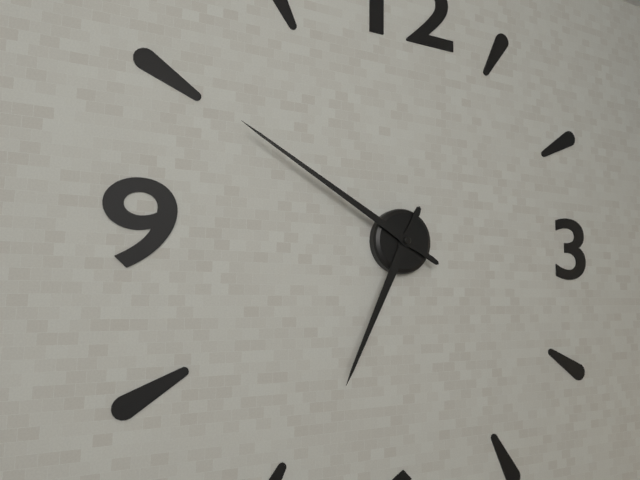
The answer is 6,50
